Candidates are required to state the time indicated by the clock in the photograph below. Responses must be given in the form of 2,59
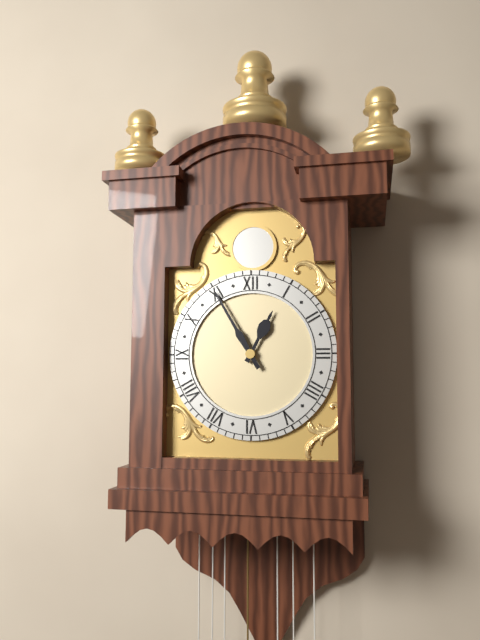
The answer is 12,55
